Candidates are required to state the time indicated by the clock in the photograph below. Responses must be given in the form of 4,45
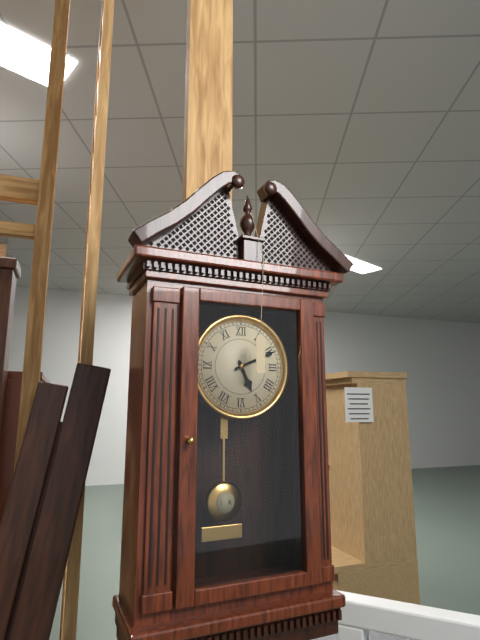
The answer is 5,11
